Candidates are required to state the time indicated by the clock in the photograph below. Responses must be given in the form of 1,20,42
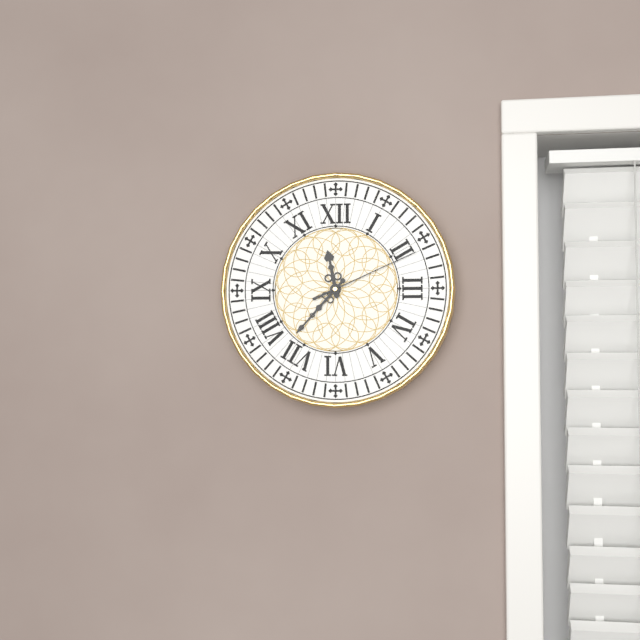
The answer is 11,37,11
